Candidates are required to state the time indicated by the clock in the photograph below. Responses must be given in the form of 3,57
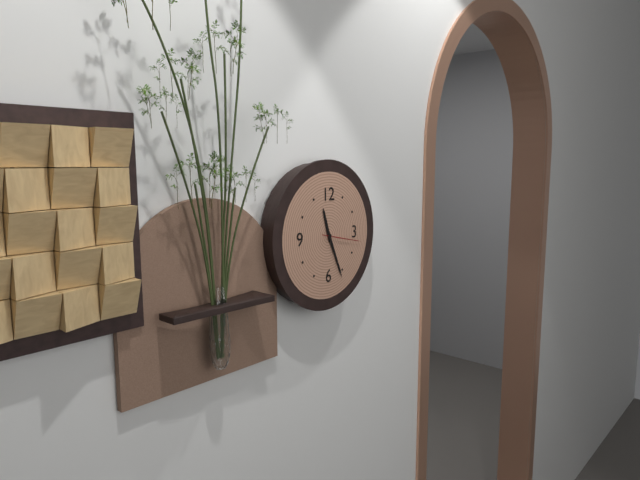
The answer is 11,26
